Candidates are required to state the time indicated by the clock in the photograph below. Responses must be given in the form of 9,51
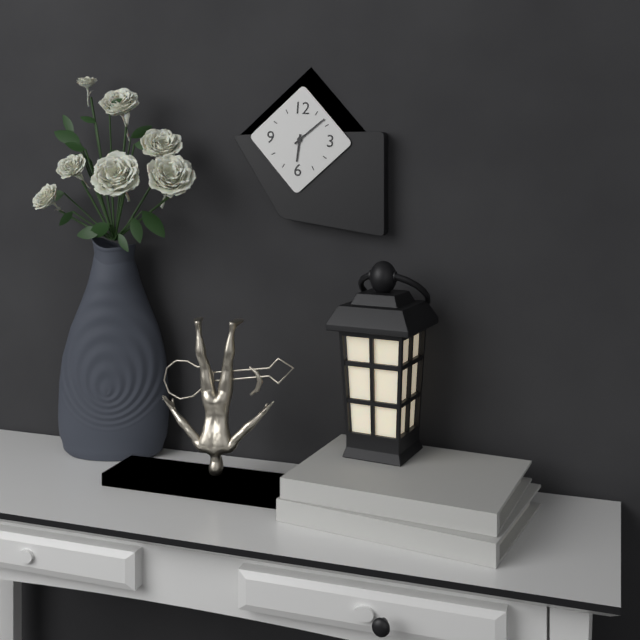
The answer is 6,08
